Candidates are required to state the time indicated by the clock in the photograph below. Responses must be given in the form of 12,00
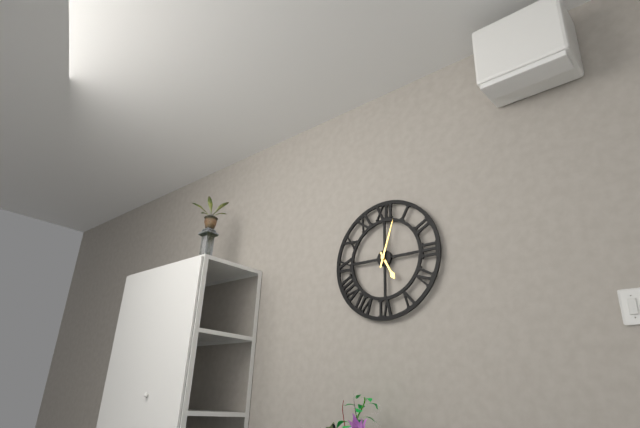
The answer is 5,03
